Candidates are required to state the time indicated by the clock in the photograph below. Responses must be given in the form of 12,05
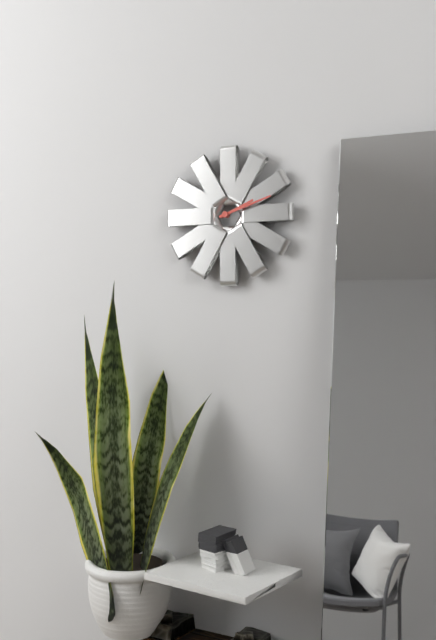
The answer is 2,12
